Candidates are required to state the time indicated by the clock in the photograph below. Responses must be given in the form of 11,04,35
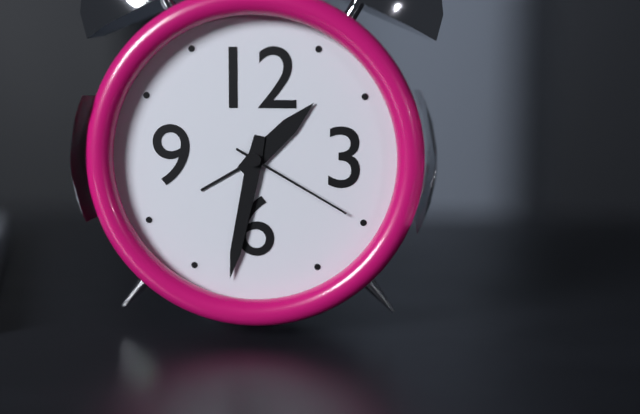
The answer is 1,32,20
